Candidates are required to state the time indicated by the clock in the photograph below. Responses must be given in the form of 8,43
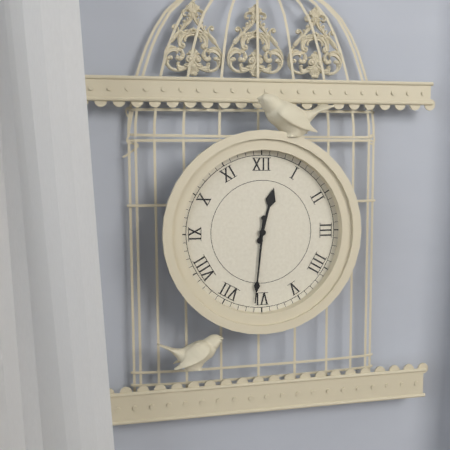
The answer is 12,31
